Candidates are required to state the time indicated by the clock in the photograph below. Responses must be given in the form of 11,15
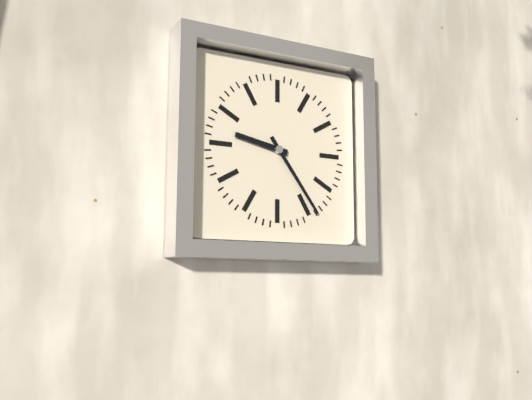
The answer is 9,24
